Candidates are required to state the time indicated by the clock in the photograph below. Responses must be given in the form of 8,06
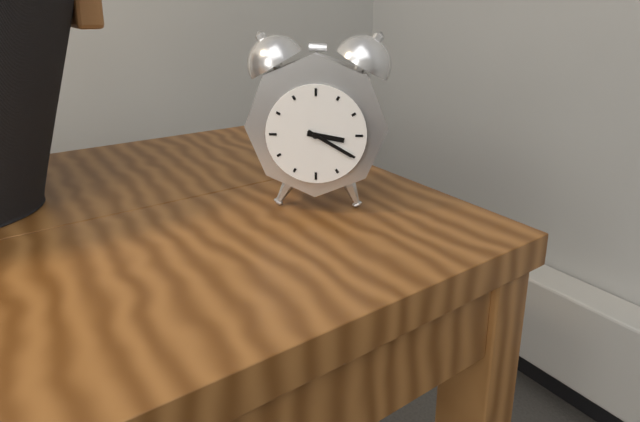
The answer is 3,20
